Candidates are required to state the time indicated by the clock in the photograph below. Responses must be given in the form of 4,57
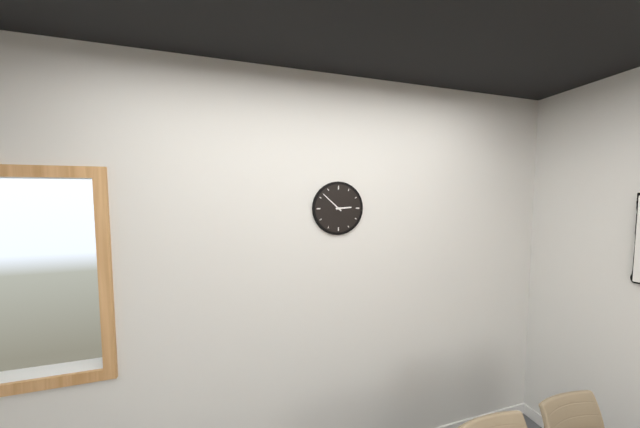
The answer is 2,52
